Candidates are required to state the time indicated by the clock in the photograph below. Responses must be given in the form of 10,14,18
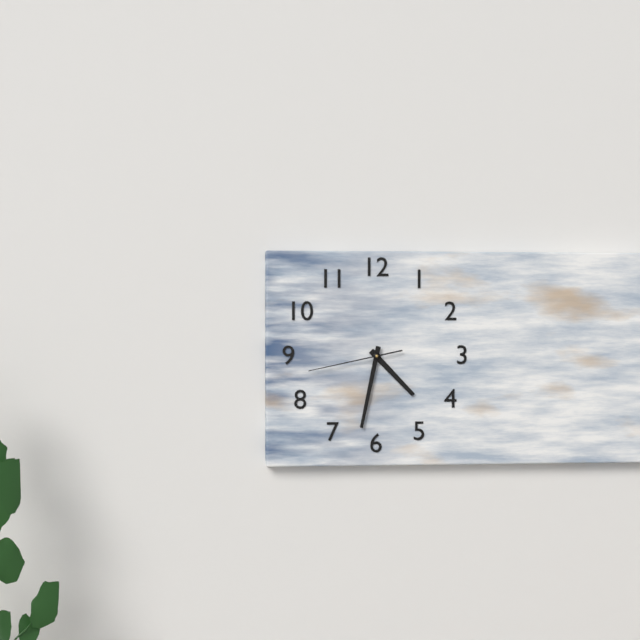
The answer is 4,32,43
